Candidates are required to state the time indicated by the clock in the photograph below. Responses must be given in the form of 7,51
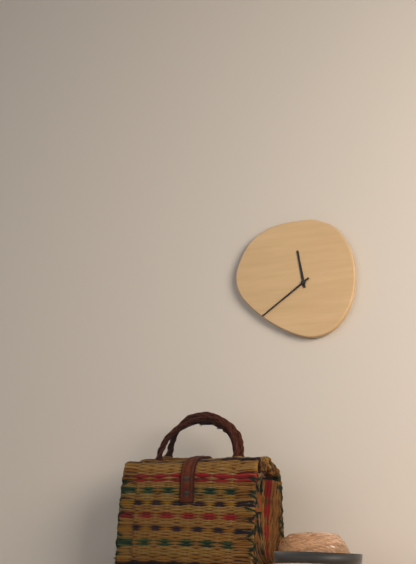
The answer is 11,39
